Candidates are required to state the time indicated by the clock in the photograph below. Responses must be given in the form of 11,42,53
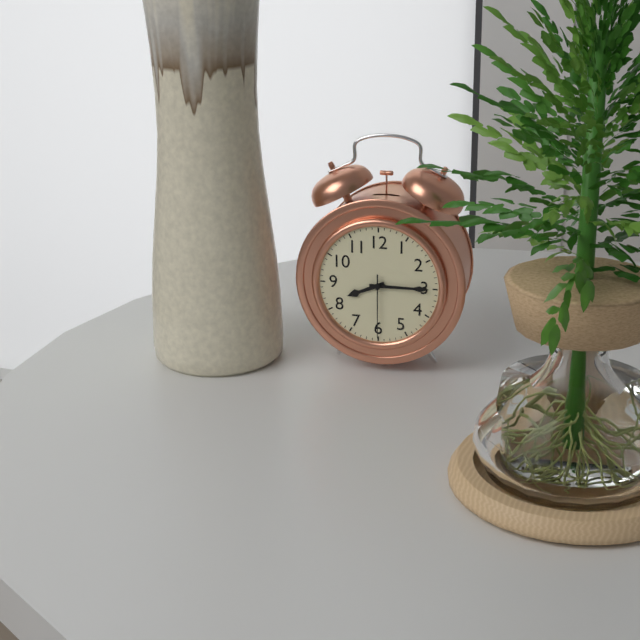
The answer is 8,15,30
